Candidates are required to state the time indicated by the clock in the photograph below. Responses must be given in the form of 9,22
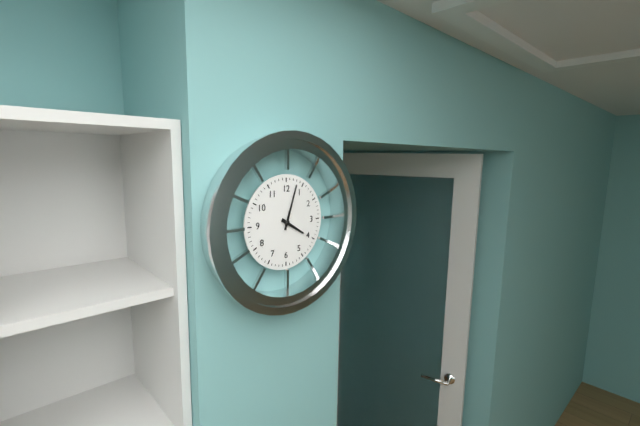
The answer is 4,03
